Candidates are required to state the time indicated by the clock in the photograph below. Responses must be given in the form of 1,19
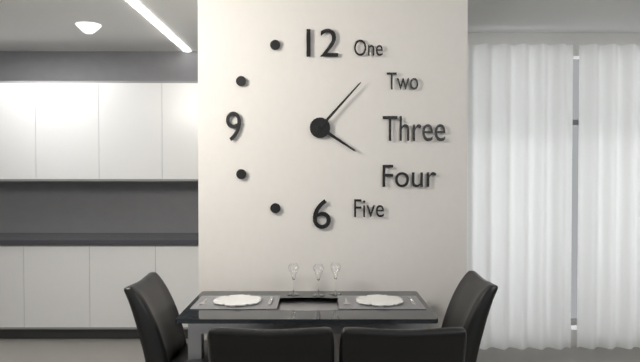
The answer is 4,07
